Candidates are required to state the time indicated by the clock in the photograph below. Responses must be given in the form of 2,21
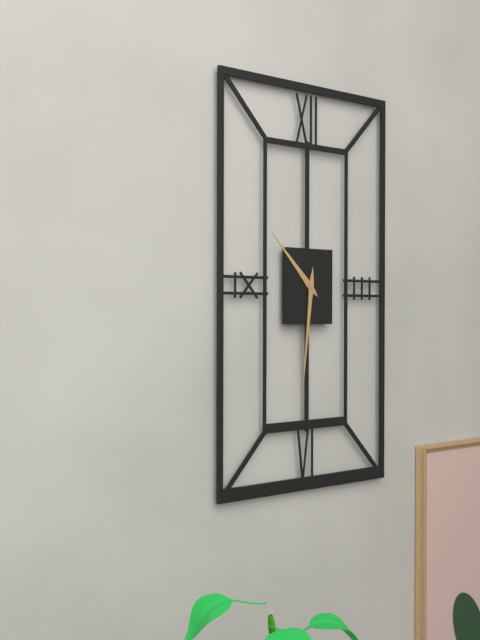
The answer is 10,31
